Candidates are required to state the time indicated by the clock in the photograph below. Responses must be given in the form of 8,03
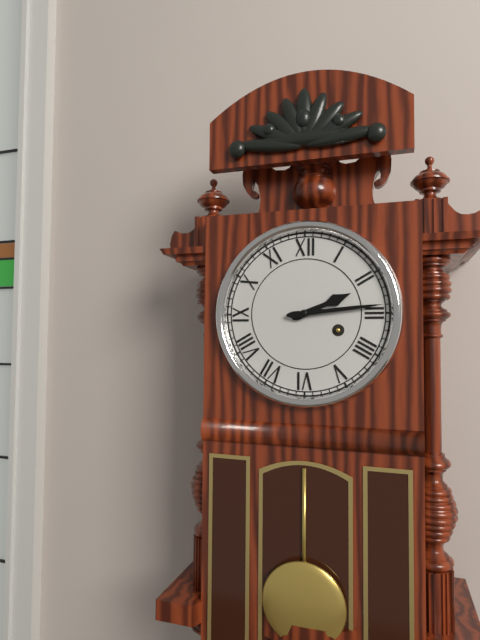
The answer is 2,14
